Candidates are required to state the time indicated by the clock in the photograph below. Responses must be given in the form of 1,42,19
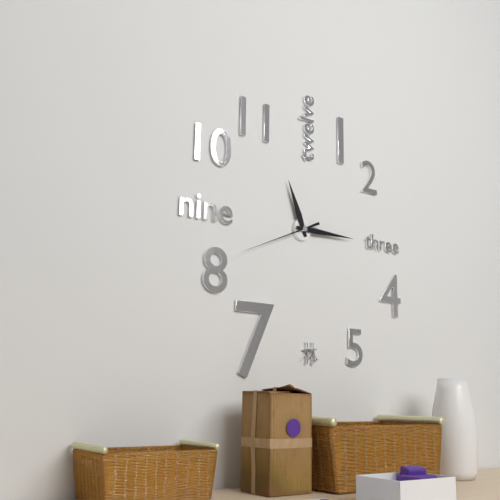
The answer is 11,15,41
